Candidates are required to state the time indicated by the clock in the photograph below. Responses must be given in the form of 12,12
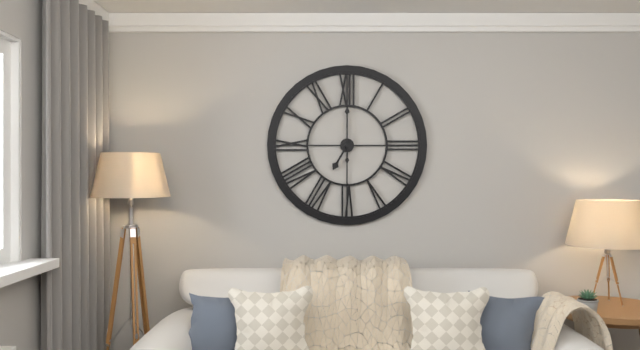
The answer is 7,00
